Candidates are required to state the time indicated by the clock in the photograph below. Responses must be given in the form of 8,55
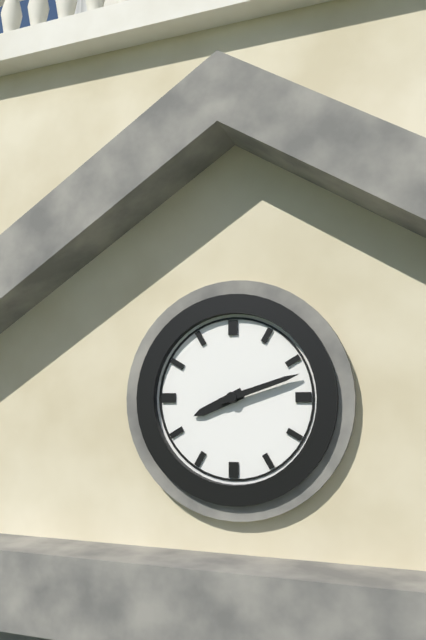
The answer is 8,12
